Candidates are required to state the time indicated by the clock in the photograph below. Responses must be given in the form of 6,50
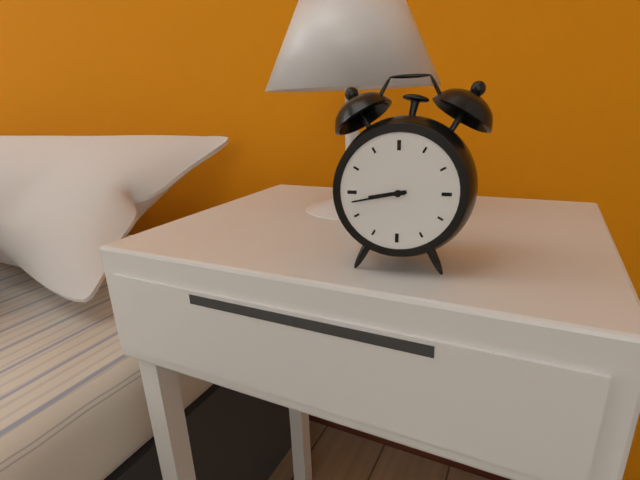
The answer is 8,43
